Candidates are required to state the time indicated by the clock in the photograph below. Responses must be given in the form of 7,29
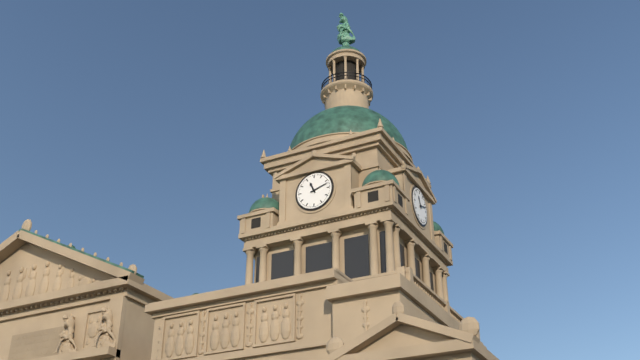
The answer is 11,12
